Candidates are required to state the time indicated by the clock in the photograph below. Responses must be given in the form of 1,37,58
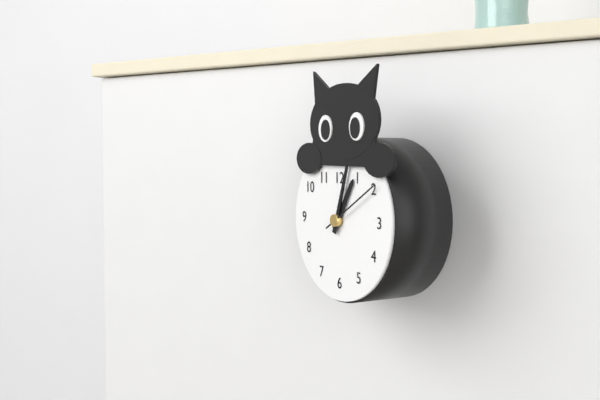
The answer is 1,03,10
